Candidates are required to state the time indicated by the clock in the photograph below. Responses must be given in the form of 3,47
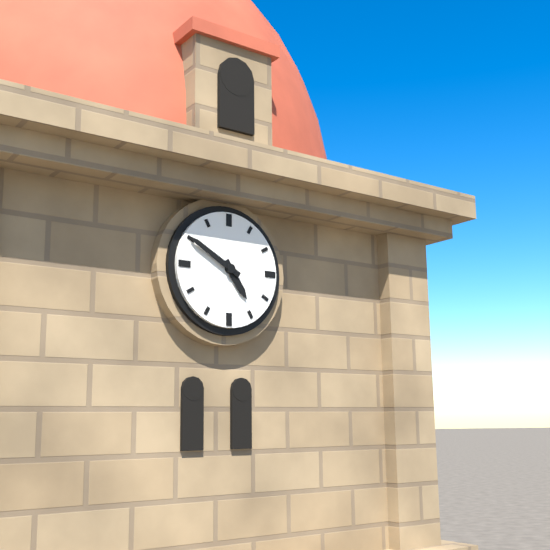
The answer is 4,50
